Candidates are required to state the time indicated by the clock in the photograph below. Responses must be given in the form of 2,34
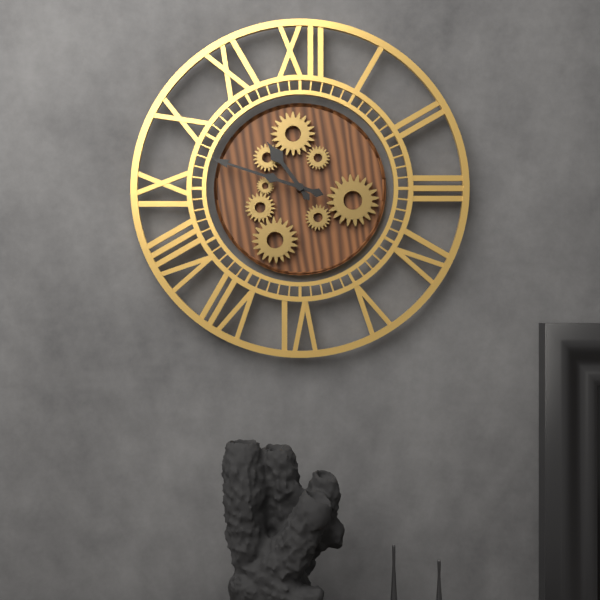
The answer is 10,48
